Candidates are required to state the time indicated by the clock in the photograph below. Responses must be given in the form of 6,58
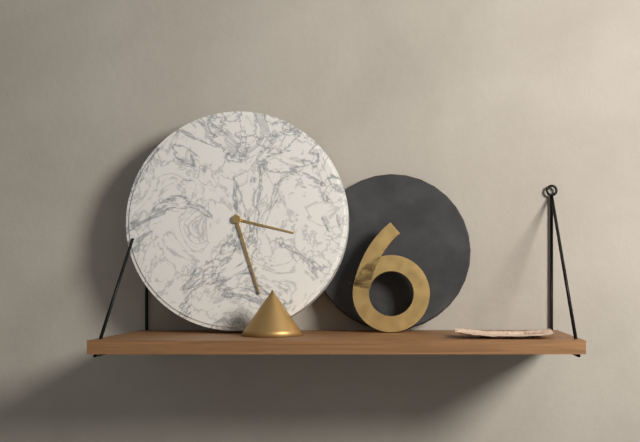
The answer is 3,27
